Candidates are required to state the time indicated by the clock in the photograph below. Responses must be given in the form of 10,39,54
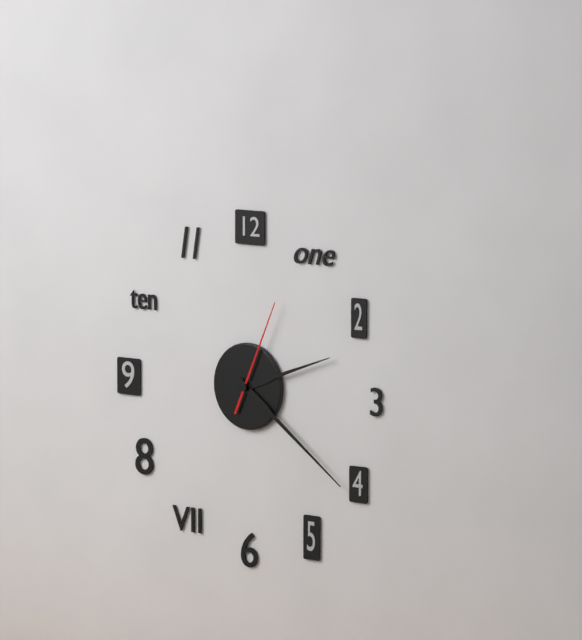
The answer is 2,21,04
